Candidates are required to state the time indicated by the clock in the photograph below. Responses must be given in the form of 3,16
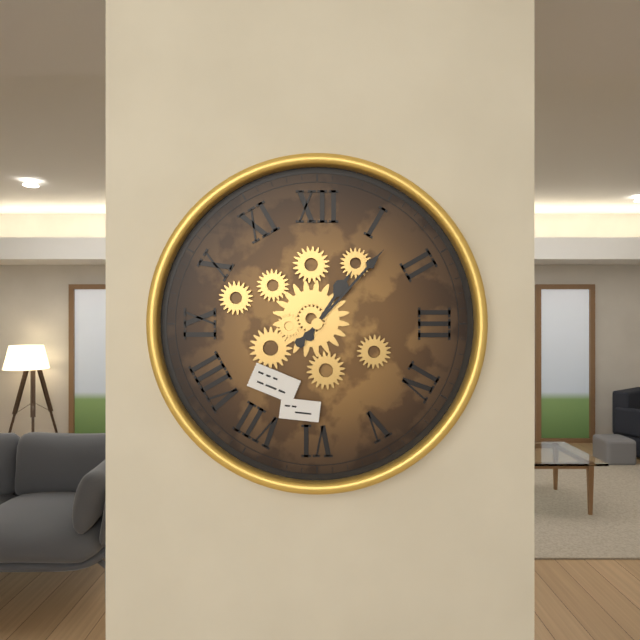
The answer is 1,07
